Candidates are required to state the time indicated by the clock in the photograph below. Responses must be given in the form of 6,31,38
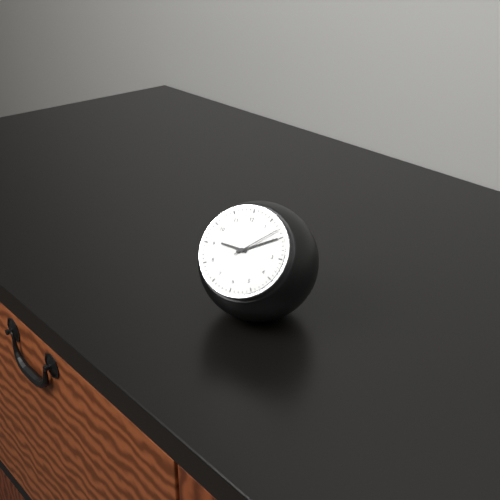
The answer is 9,10,08
